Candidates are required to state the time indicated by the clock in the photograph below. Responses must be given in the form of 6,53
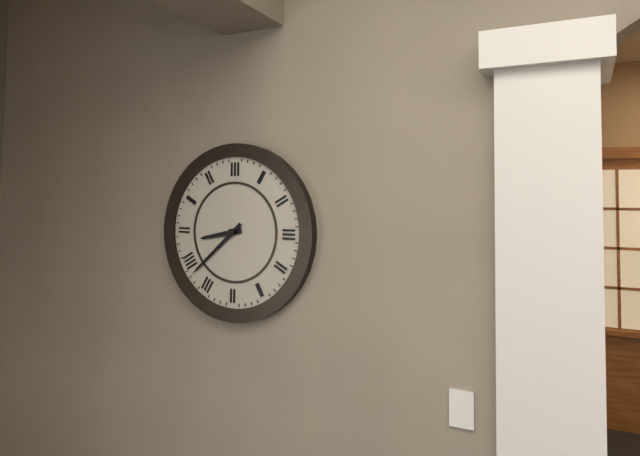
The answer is 8,38
